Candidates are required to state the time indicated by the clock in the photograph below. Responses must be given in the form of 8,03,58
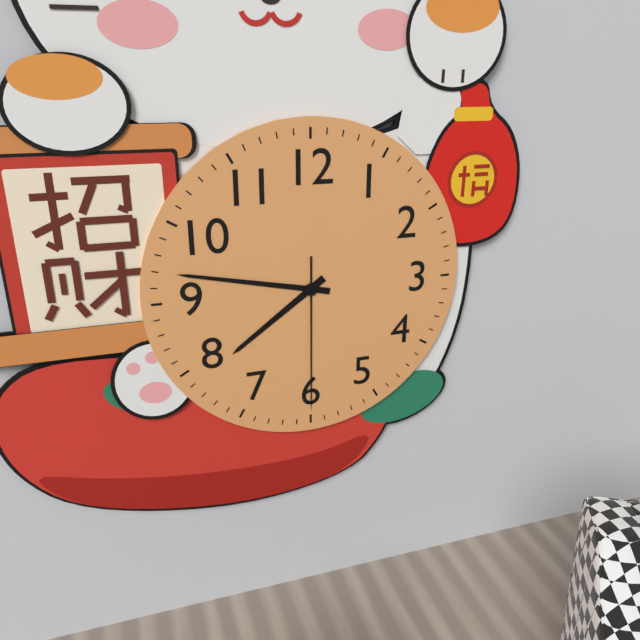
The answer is 7,47,30
